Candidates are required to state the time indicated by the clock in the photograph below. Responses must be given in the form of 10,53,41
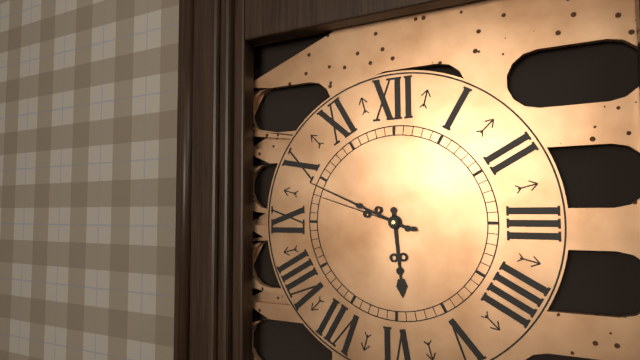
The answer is 5,49,48
